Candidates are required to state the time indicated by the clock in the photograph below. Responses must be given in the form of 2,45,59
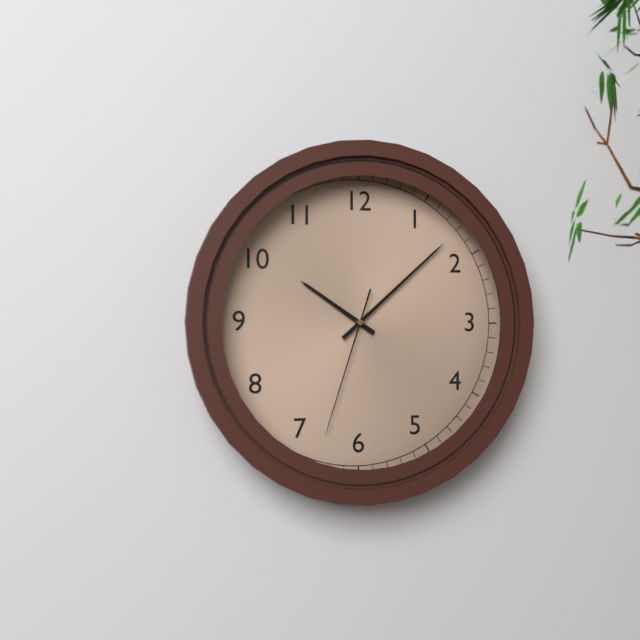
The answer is 10,08,33
